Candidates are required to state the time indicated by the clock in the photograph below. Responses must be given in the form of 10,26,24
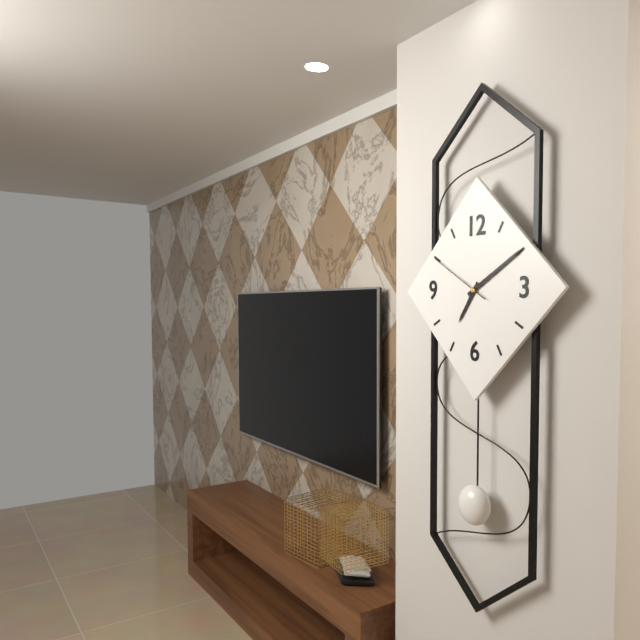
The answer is 7,10,50
